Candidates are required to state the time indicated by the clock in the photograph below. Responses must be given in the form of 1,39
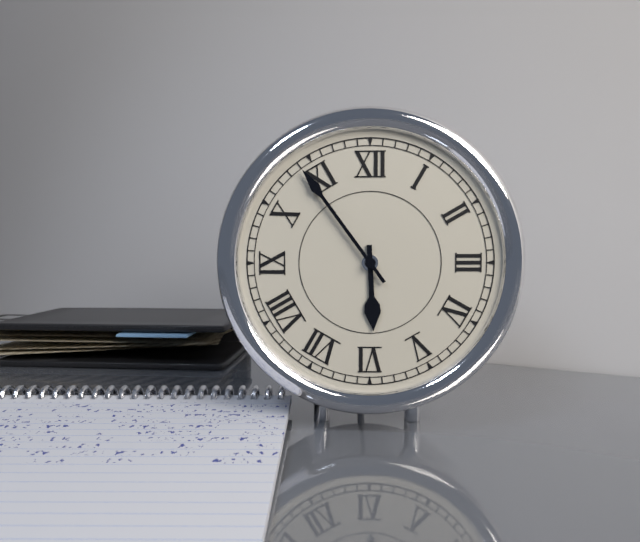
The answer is 5,54
